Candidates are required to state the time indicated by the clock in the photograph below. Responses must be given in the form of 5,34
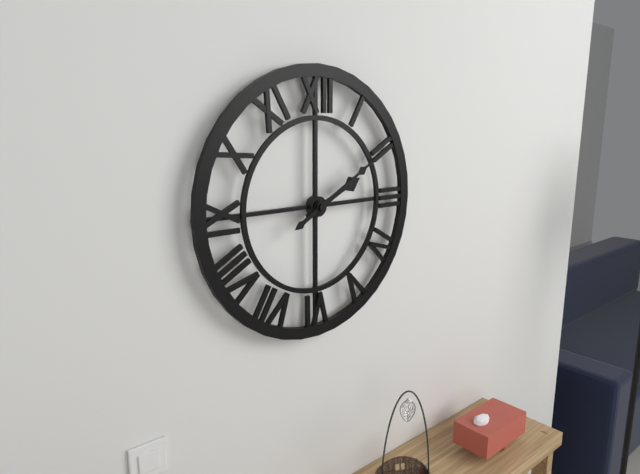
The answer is 2,10
